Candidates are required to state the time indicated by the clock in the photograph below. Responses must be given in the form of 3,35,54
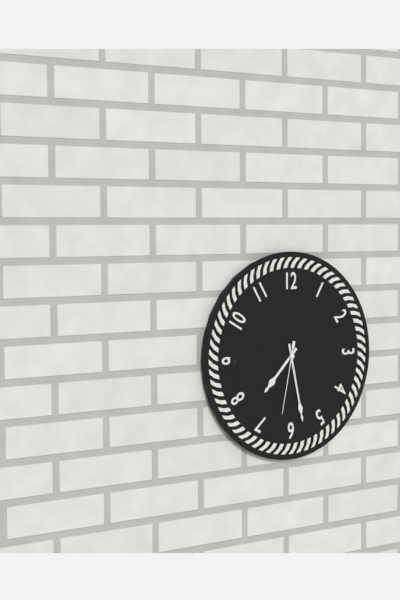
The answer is 7,28,32
